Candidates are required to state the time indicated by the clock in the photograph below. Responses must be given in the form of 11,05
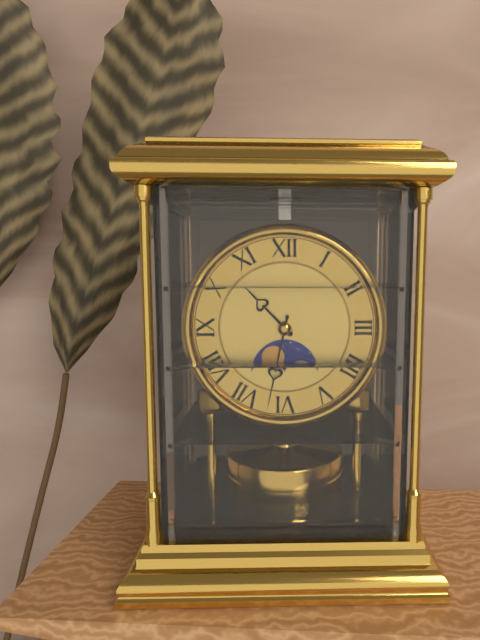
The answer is 10,32
